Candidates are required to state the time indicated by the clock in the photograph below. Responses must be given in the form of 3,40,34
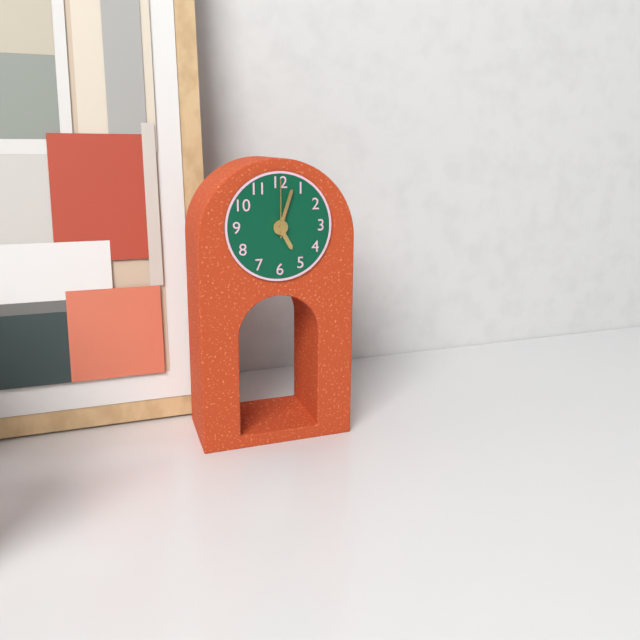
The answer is 5,03,00
